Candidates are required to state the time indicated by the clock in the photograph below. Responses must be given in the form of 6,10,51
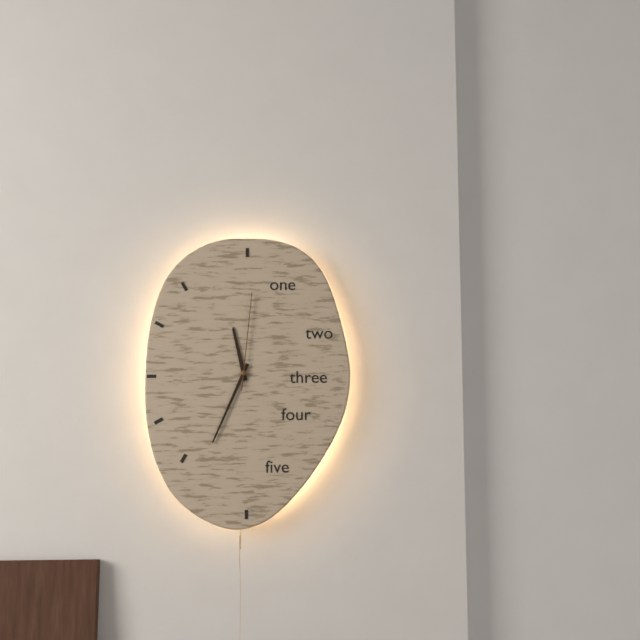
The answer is 11,34,01
